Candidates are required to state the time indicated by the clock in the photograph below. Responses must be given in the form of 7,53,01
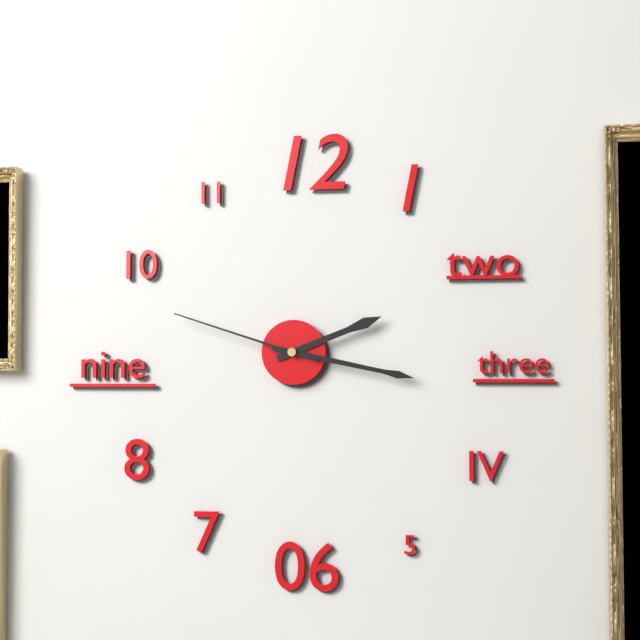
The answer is 2,17,48
